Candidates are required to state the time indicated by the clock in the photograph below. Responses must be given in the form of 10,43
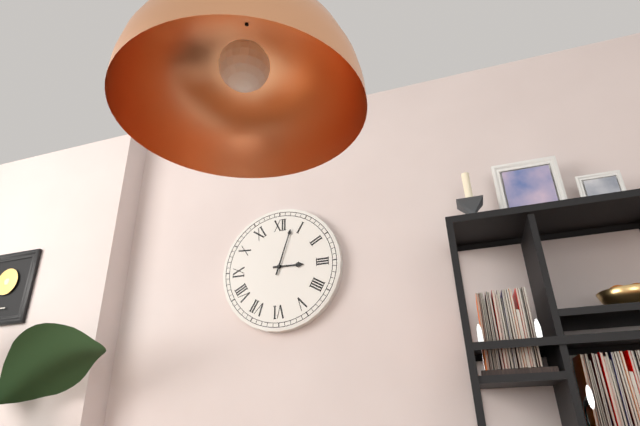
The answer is 3,03
